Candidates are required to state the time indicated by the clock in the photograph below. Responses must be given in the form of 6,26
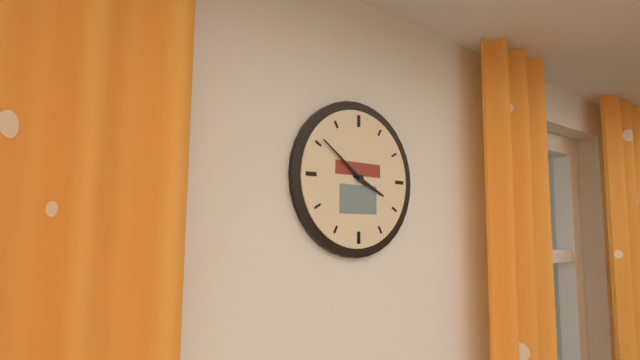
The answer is 3,51
